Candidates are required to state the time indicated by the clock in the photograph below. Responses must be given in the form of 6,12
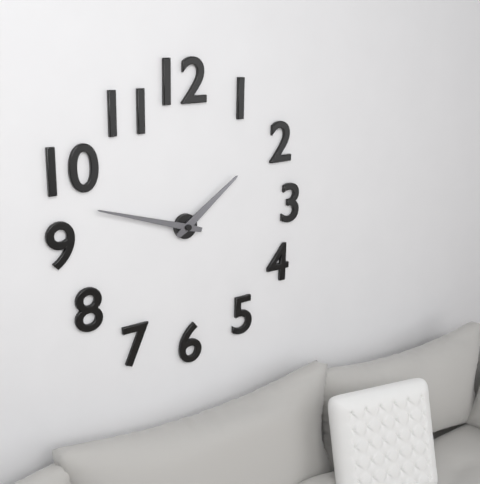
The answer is 1,48
